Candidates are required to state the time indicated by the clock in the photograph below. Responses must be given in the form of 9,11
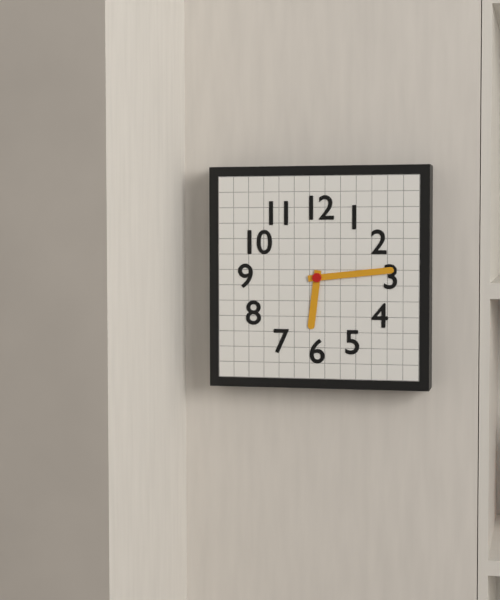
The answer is 6,14
